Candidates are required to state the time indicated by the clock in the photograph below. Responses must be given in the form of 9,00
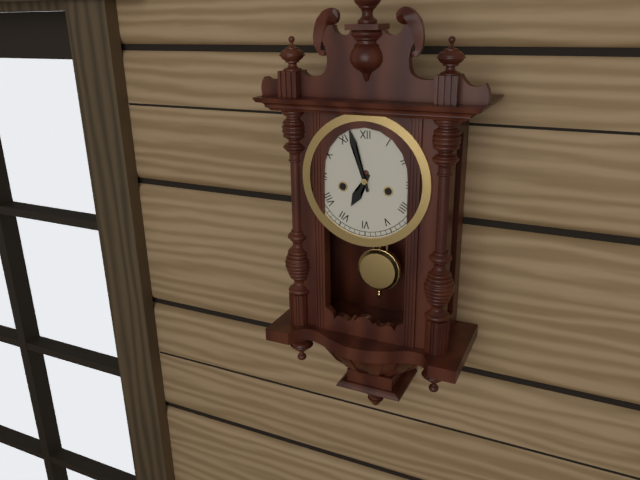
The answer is 6,57
